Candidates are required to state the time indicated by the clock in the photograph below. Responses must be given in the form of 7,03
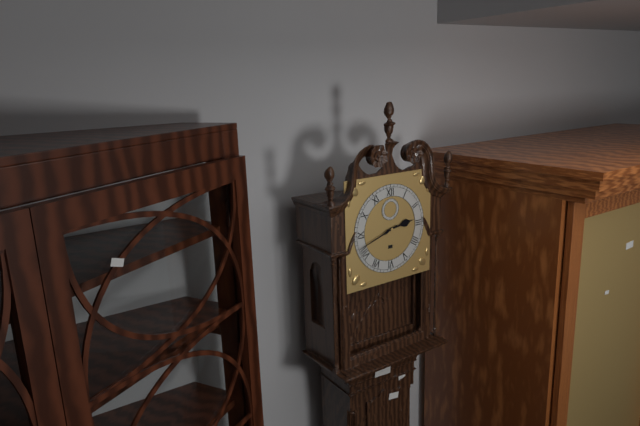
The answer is 2,42
